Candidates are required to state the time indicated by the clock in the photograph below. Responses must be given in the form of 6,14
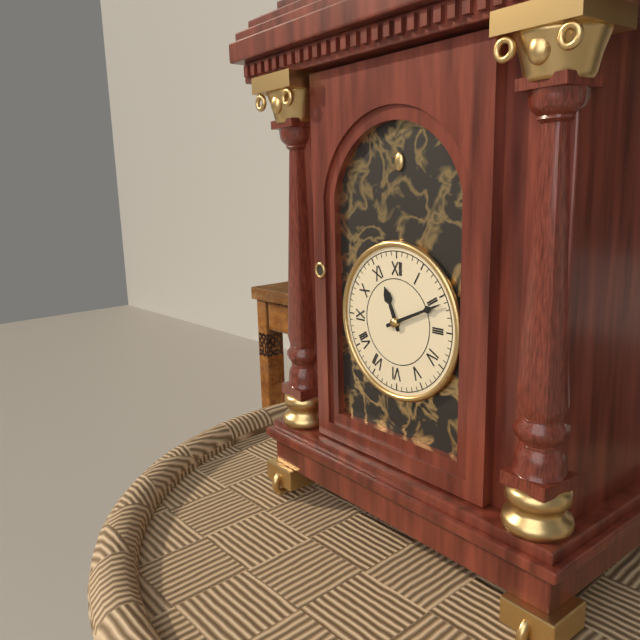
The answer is 11,11
